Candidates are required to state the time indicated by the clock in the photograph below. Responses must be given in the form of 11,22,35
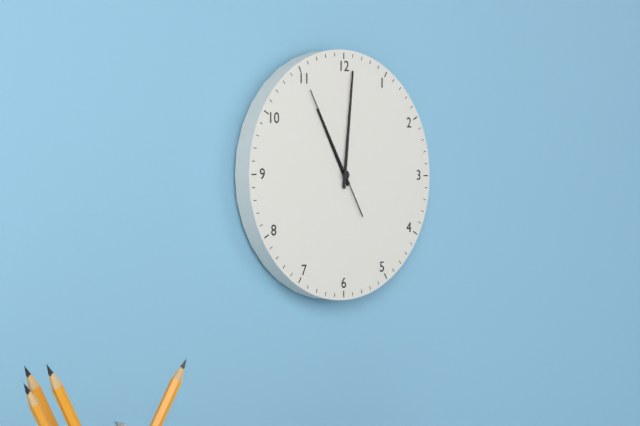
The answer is 11,01,55
